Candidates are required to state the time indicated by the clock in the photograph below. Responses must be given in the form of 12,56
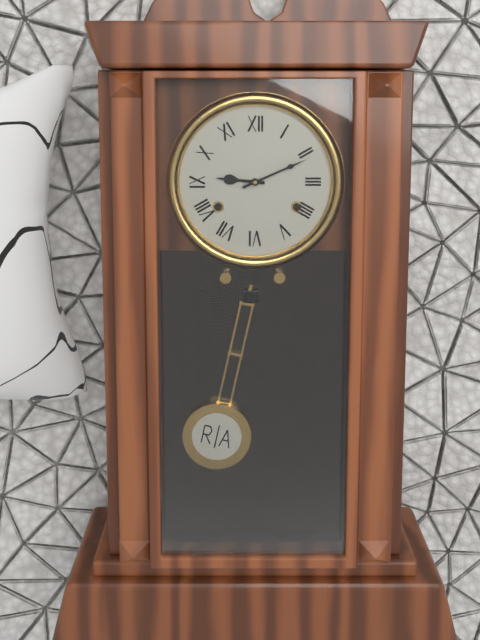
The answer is 9,11
